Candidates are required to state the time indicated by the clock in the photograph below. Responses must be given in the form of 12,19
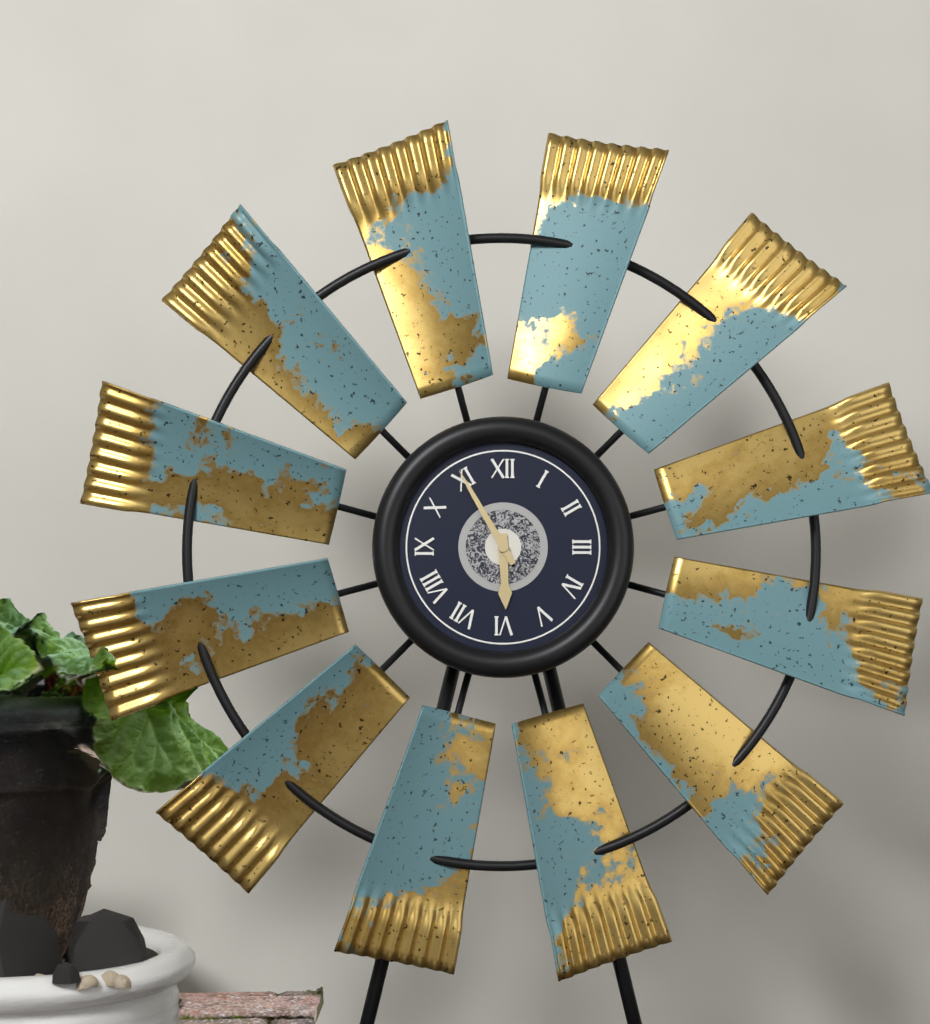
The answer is 5,55
